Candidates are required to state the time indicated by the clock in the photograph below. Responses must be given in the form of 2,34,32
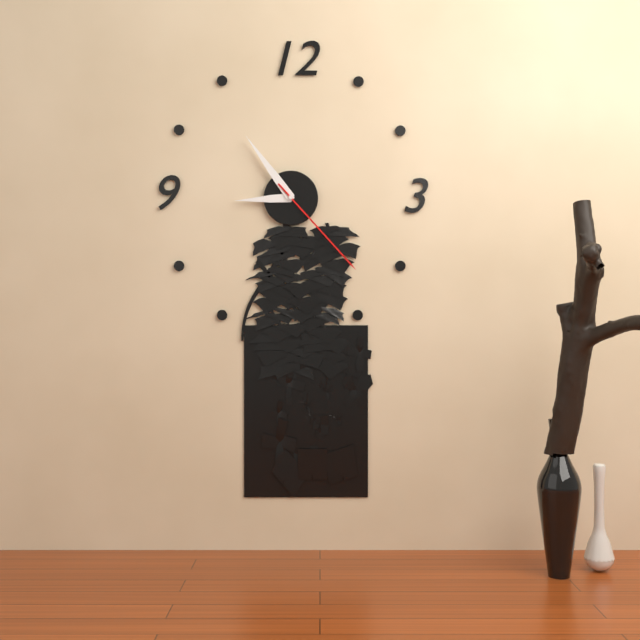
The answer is 8,54,23
